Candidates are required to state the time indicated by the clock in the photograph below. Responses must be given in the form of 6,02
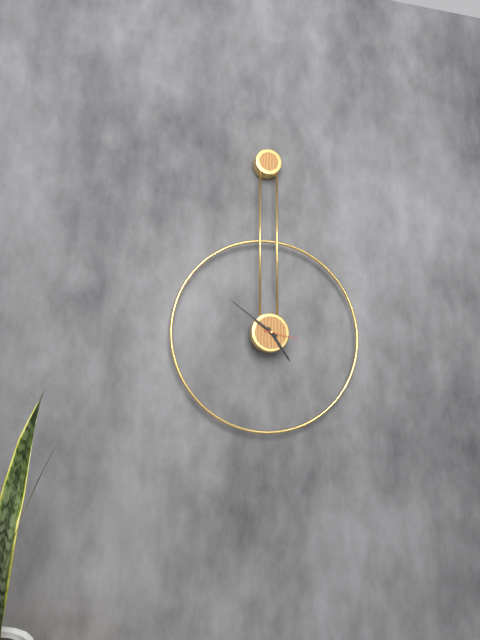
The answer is 4,51
